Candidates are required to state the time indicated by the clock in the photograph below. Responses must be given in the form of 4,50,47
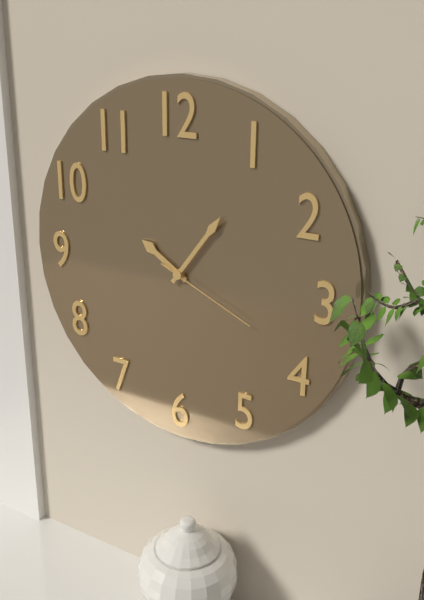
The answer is 10,06,19
